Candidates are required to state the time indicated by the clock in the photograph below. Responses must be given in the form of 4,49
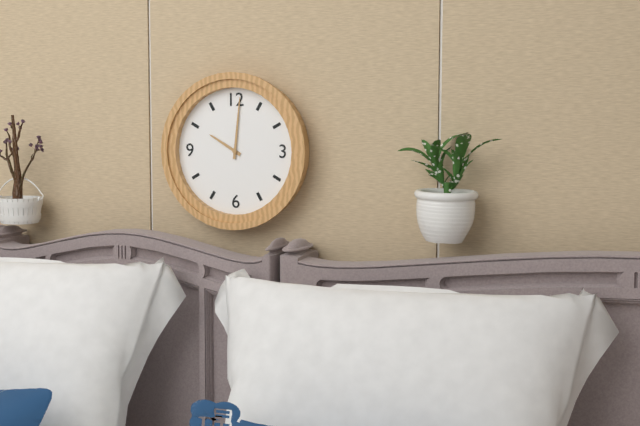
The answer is 10,01
